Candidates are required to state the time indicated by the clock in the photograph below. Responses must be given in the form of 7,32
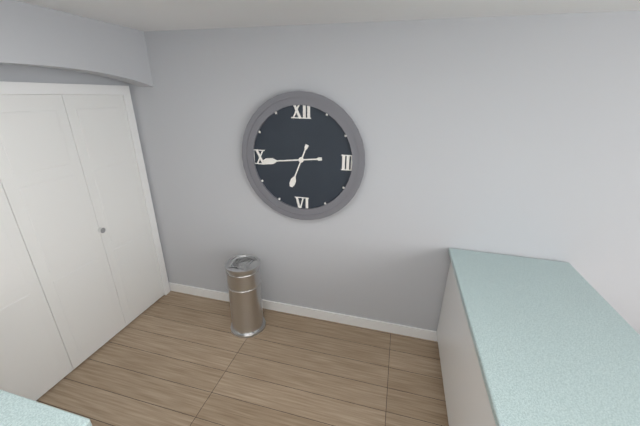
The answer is 6,44
